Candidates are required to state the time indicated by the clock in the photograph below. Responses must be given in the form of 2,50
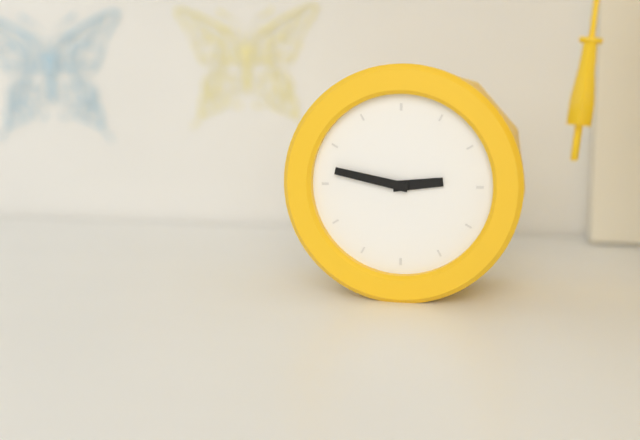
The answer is 2,47
